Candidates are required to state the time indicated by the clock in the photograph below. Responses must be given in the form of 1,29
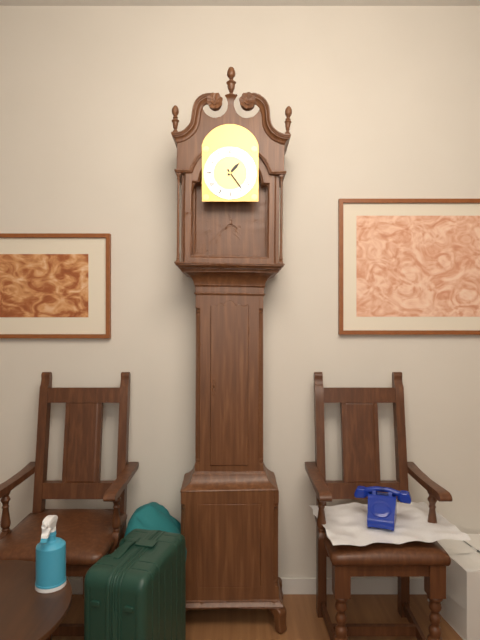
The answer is 1,24
